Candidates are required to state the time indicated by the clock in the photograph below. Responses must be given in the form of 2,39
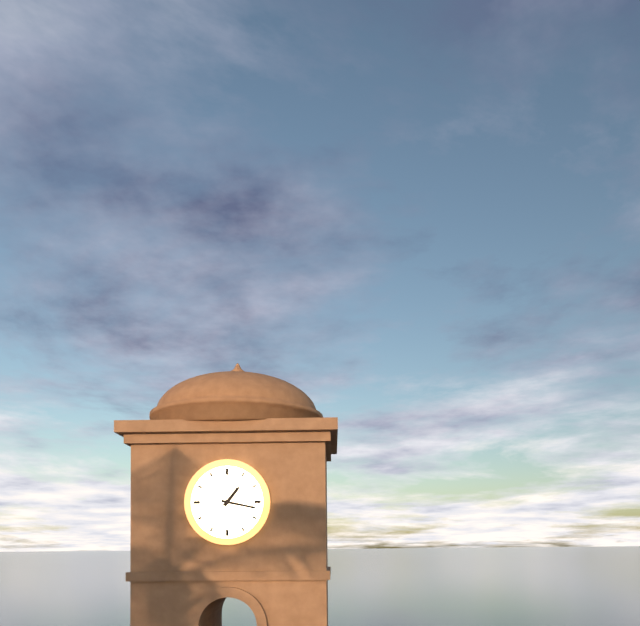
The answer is 1,17
